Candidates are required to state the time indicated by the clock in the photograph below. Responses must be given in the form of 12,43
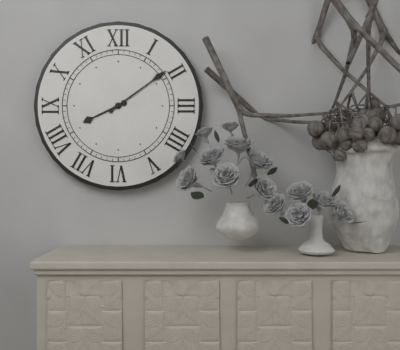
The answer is 8,09
